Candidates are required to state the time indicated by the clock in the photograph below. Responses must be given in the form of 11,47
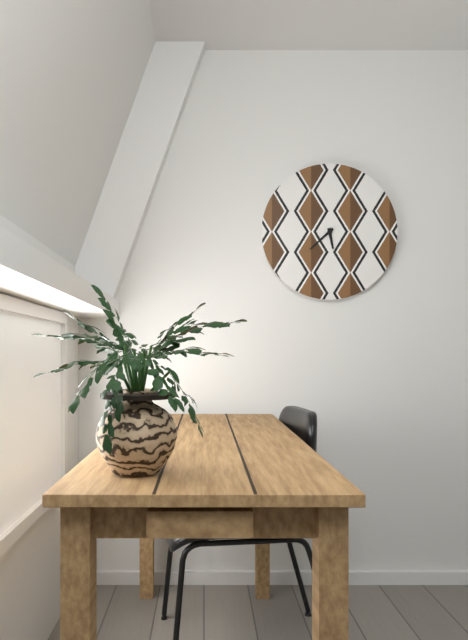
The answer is 5,38
